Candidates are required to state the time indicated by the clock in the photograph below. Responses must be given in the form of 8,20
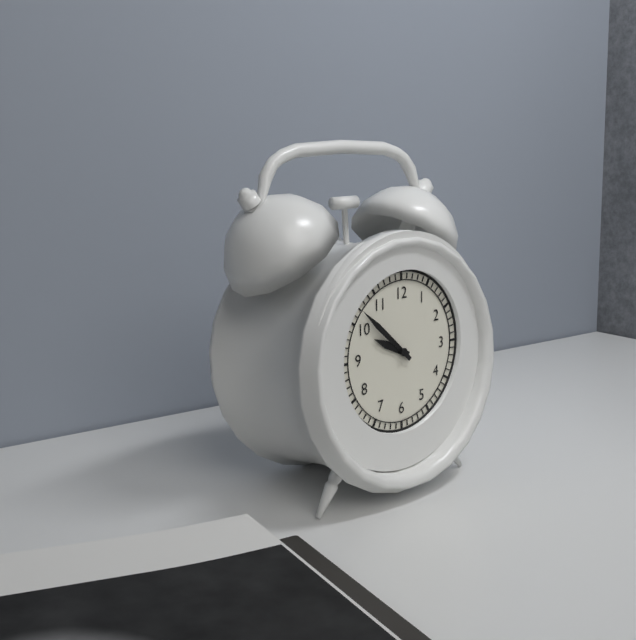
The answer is 9,52
